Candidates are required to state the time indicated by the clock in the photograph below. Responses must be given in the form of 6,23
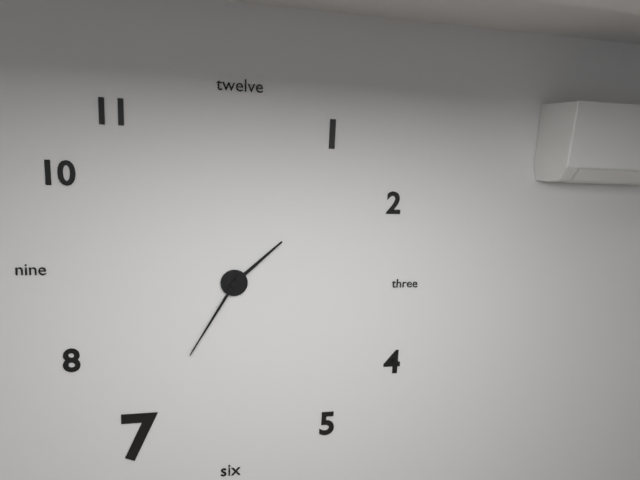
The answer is 1,35
